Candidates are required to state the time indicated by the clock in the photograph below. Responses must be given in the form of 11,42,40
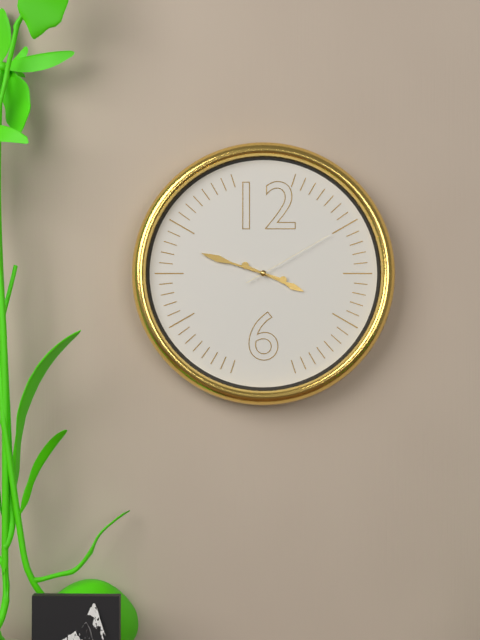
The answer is 3,48,10
